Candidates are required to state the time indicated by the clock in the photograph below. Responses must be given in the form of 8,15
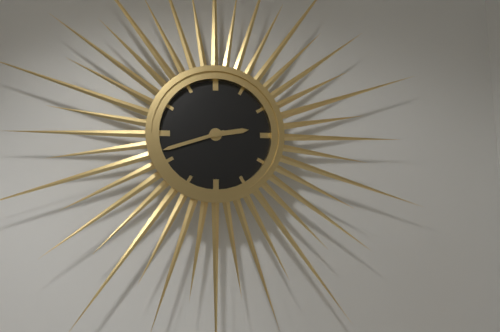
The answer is 2,42
